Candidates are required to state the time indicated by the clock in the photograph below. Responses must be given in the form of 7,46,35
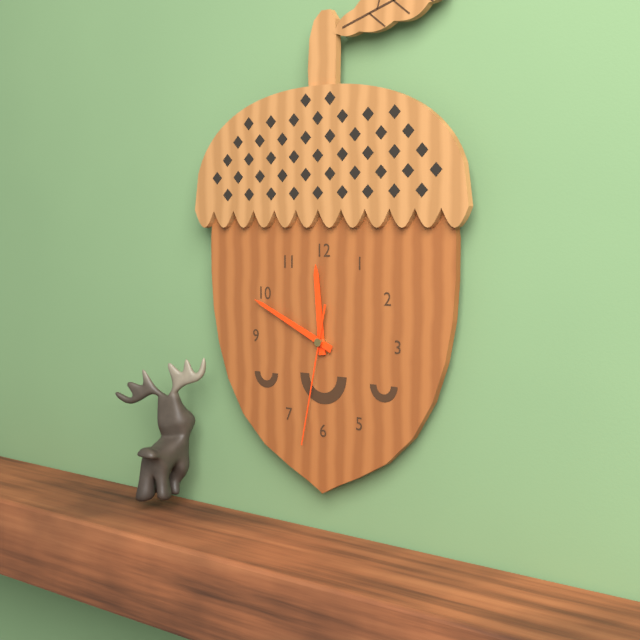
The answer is 11,49,32
